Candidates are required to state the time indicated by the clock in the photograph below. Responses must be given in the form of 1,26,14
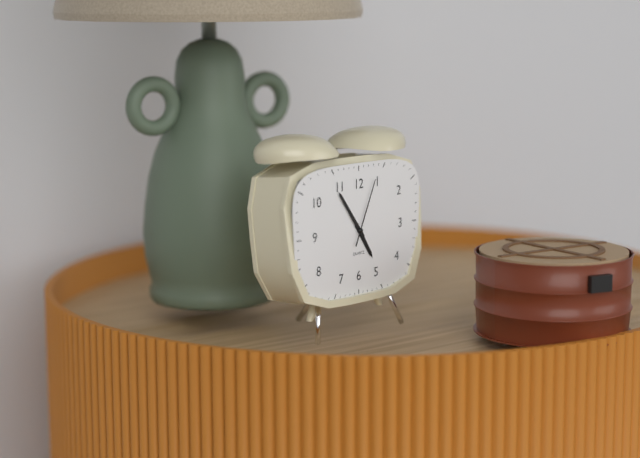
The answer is 4,54,04
